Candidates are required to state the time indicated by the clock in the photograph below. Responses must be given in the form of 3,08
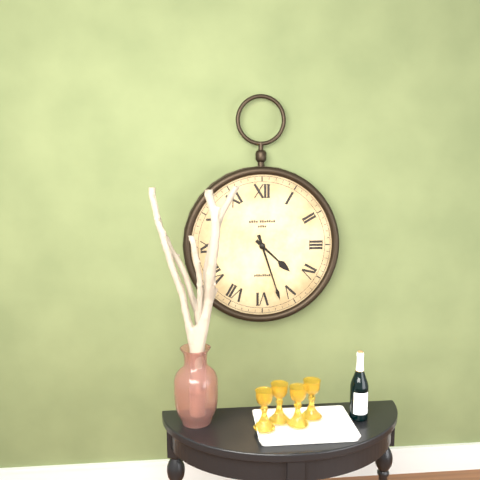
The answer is 4,27
